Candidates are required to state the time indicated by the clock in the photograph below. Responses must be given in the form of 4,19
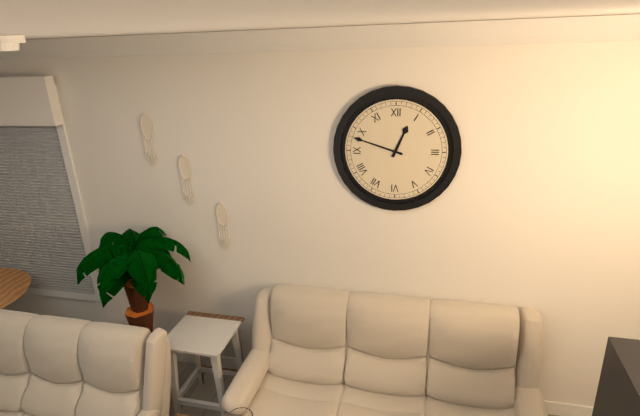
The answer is 12,48
